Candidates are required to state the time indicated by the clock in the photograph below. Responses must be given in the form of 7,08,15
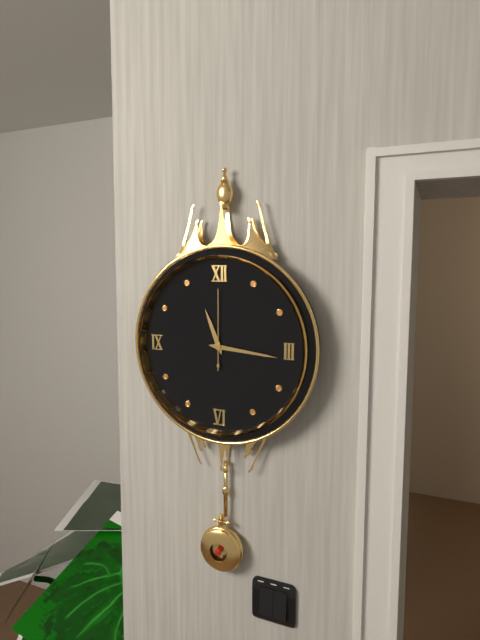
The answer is 11,16,00
